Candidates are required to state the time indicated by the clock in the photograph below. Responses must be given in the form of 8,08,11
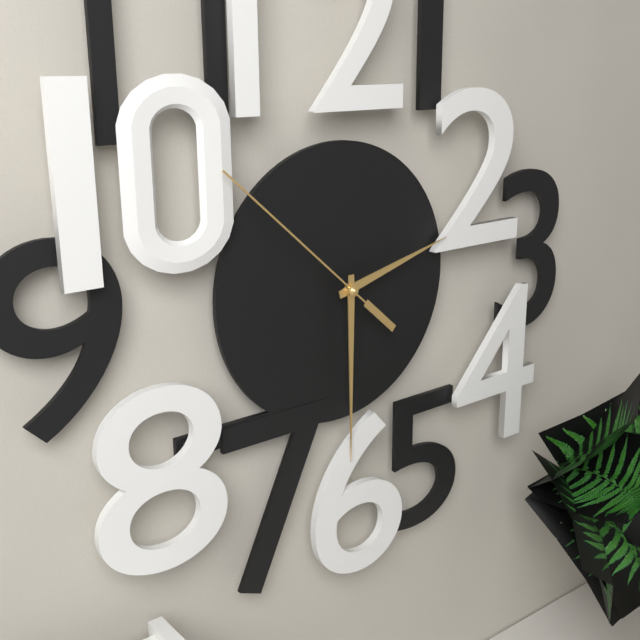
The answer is 2,30,52
